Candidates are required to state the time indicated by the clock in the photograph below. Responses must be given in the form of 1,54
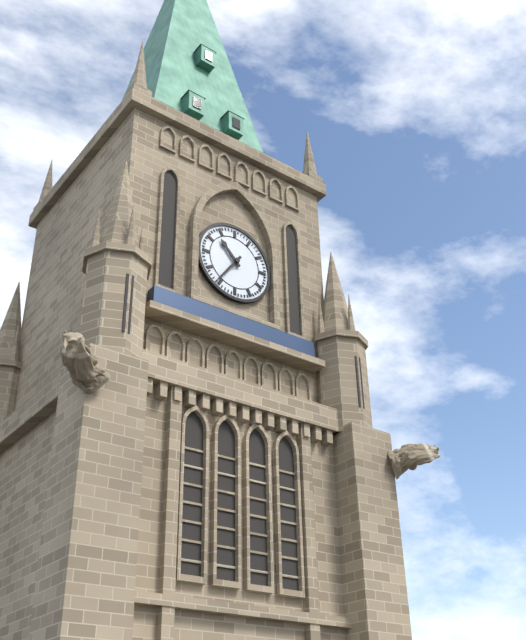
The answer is 10,36
